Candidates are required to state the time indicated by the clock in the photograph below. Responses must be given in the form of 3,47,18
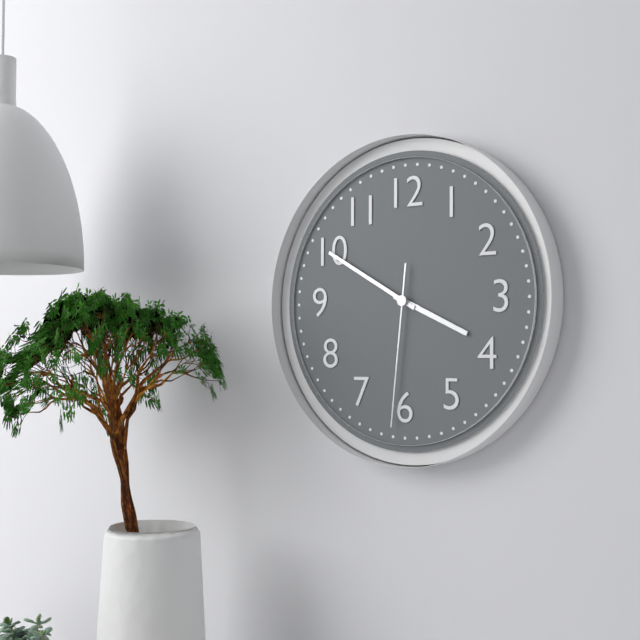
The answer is 3,50,31
